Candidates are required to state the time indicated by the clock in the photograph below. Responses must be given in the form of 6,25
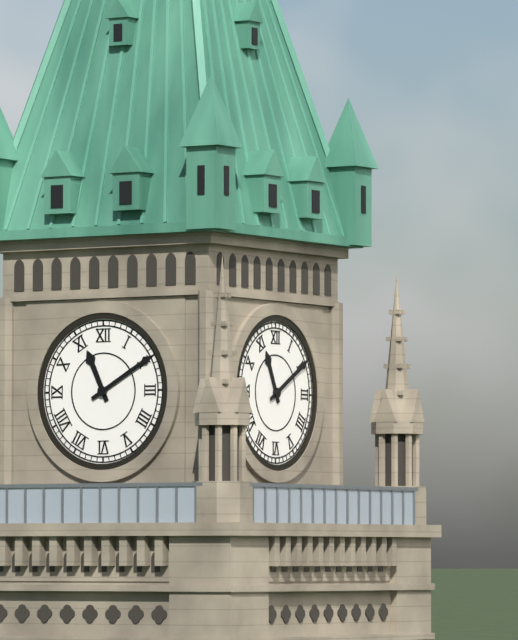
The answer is 11,10
